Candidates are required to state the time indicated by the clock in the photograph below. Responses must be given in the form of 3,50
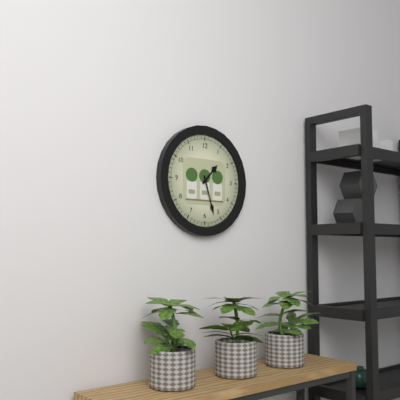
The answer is 1,27
